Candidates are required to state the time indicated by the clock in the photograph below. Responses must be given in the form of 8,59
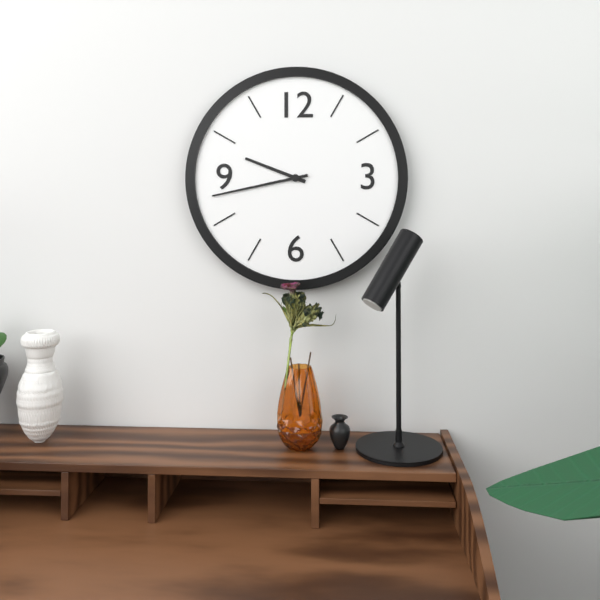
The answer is 9,43
